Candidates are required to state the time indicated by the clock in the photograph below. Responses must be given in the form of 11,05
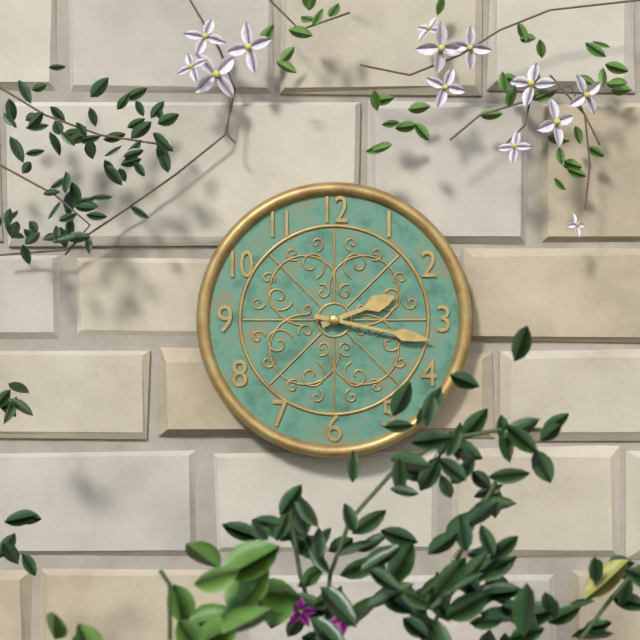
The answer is 2,17
